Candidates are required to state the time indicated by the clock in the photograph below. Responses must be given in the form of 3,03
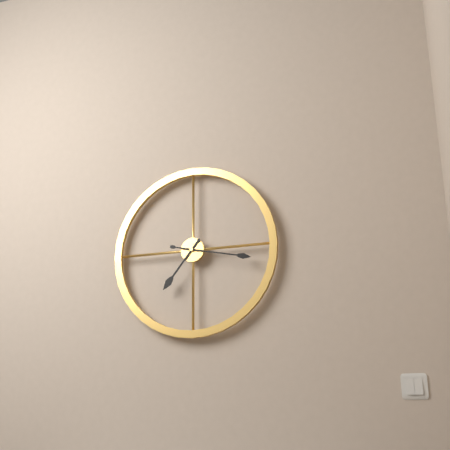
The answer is 7,17
